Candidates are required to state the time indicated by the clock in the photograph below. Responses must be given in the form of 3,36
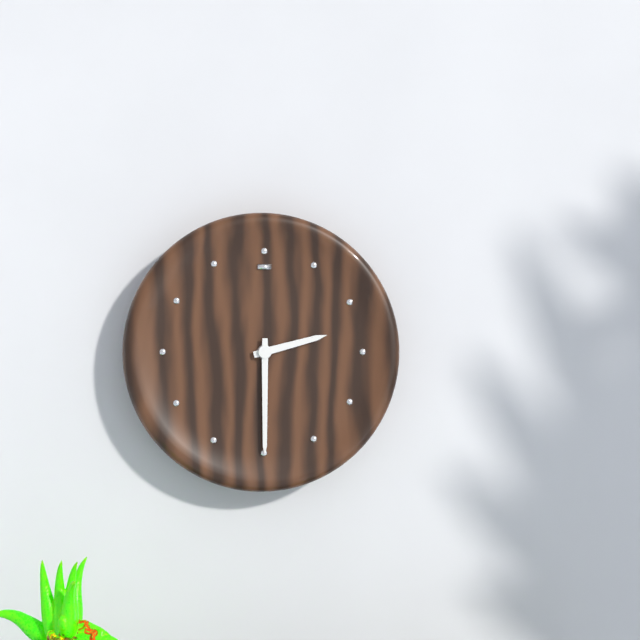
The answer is 2,30
